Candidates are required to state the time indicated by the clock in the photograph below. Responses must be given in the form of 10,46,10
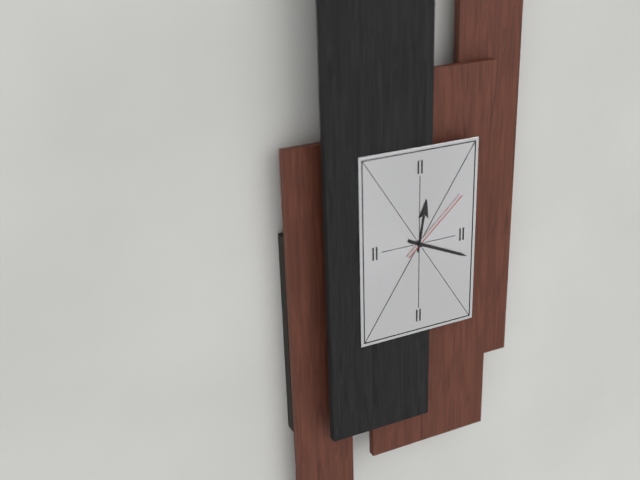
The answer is 12,19,08
